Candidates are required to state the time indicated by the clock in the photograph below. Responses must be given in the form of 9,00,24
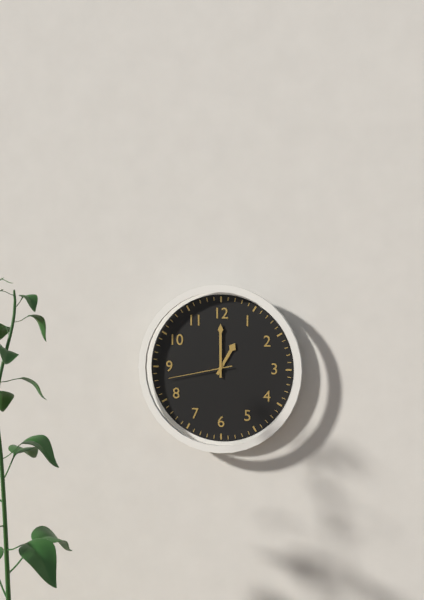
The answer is 1,00,43
